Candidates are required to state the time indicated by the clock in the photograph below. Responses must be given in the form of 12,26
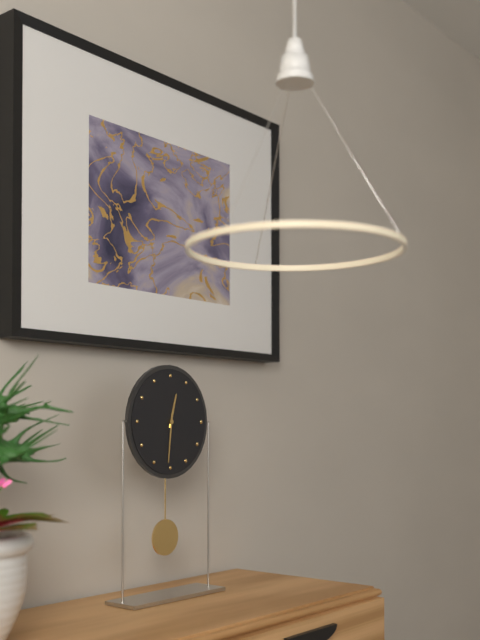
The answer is 12,31
